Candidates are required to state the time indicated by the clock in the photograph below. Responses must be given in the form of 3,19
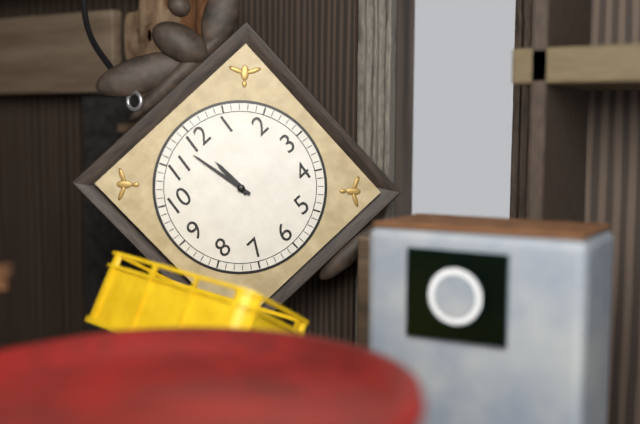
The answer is 11,58
